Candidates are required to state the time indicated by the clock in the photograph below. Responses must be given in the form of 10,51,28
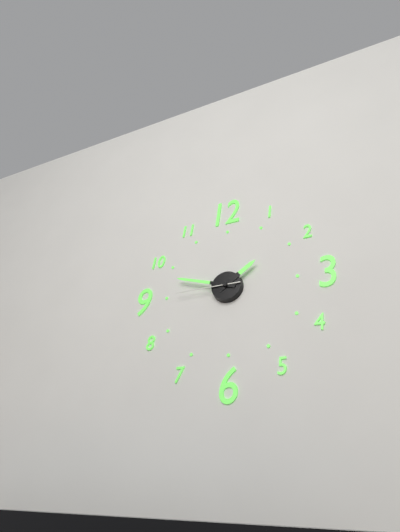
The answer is 1,48,45
